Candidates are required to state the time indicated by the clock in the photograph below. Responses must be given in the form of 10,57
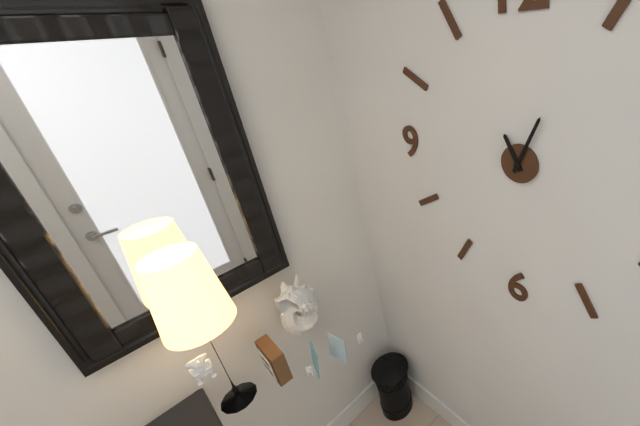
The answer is 11,04
